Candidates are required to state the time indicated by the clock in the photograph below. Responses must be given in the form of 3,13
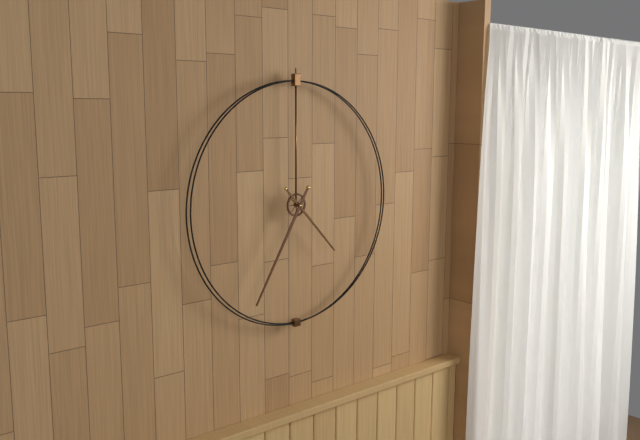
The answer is 4,35
